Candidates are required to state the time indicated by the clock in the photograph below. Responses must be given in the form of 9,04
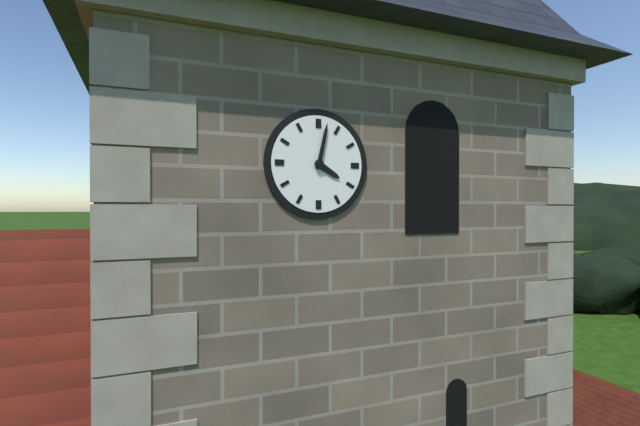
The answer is 4,02
